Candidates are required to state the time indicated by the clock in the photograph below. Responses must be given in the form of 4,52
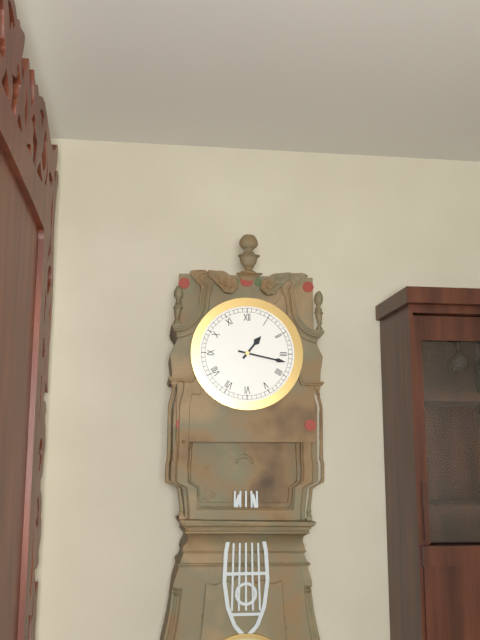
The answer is 1,17
